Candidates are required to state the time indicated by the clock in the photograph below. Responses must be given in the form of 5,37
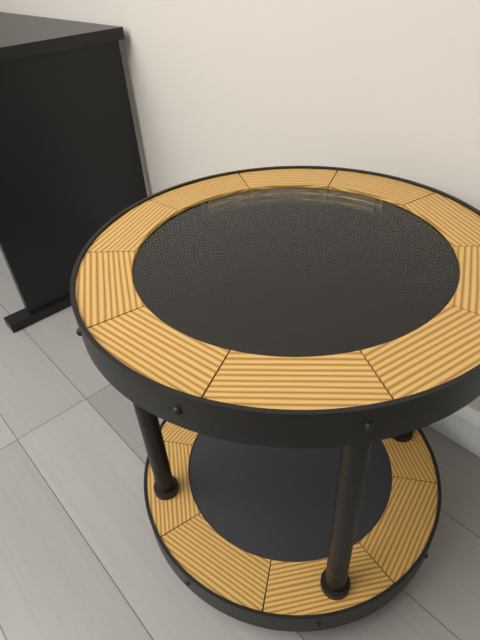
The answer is 7,34
